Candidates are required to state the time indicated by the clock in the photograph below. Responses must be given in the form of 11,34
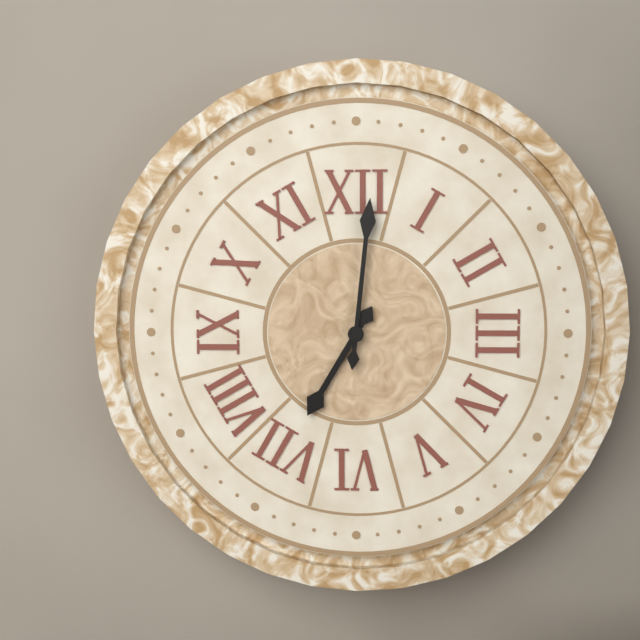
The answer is 7,01
